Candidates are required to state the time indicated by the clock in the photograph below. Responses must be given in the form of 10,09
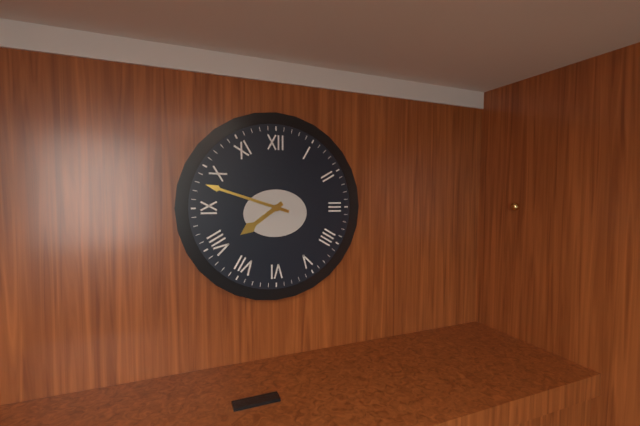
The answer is 7,48
